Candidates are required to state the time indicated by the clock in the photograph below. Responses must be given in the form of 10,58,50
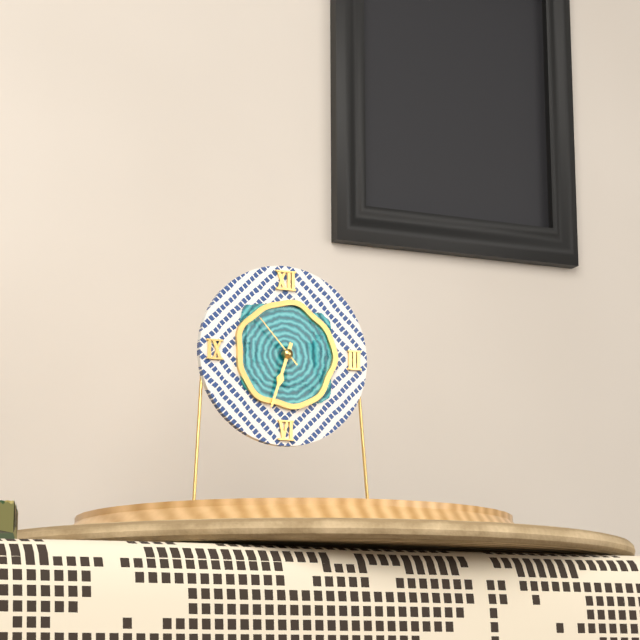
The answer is 6,33,53
